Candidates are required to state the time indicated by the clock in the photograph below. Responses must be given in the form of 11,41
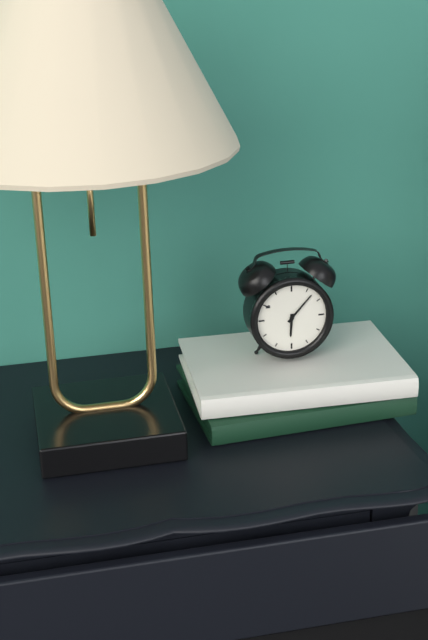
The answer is 6,07
